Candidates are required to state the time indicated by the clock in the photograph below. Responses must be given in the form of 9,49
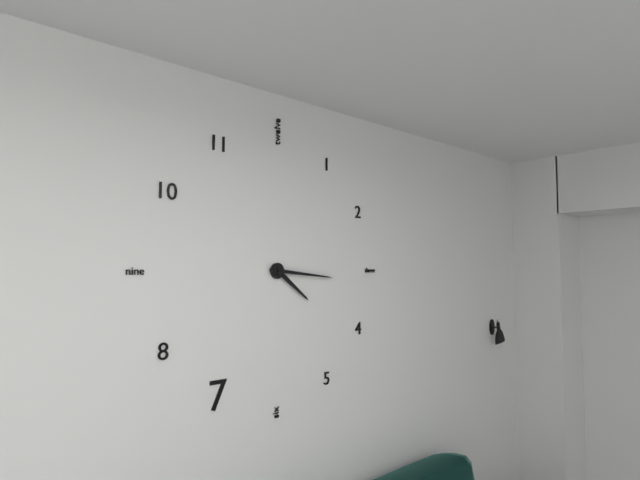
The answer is 4,16
